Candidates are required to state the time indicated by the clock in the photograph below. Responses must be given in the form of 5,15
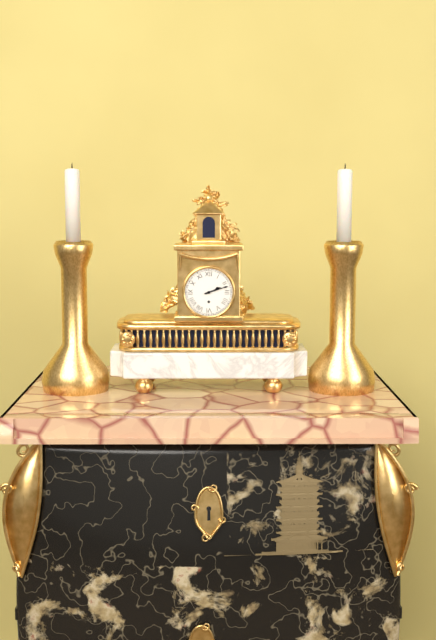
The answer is 2,12
